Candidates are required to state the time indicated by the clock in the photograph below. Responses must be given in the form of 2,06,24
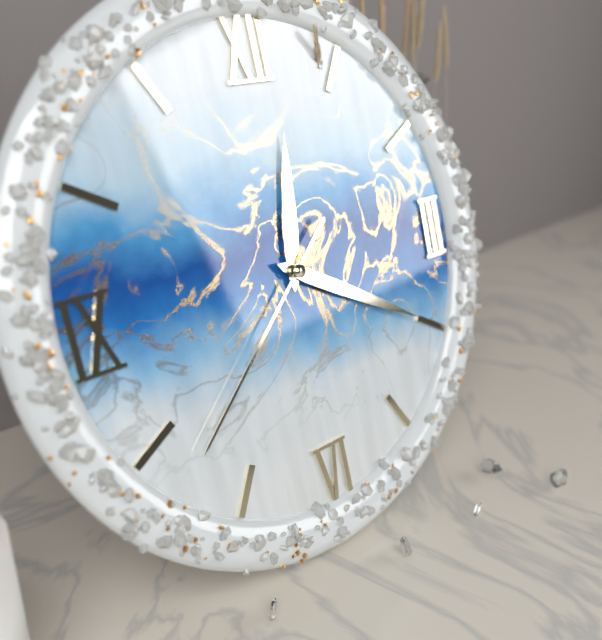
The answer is 12,20,38
